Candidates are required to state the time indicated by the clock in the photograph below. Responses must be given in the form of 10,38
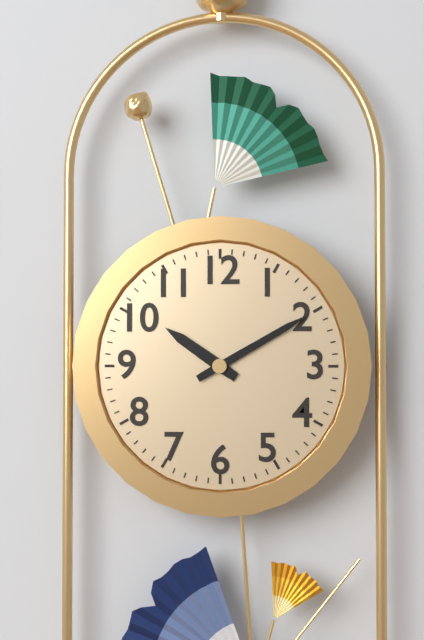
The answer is 10,10
